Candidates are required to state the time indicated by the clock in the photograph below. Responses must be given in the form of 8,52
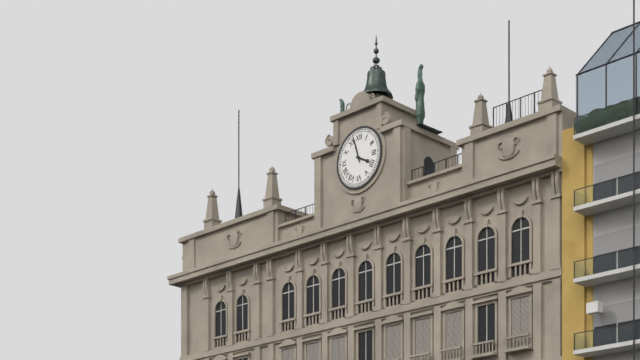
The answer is 3,57
